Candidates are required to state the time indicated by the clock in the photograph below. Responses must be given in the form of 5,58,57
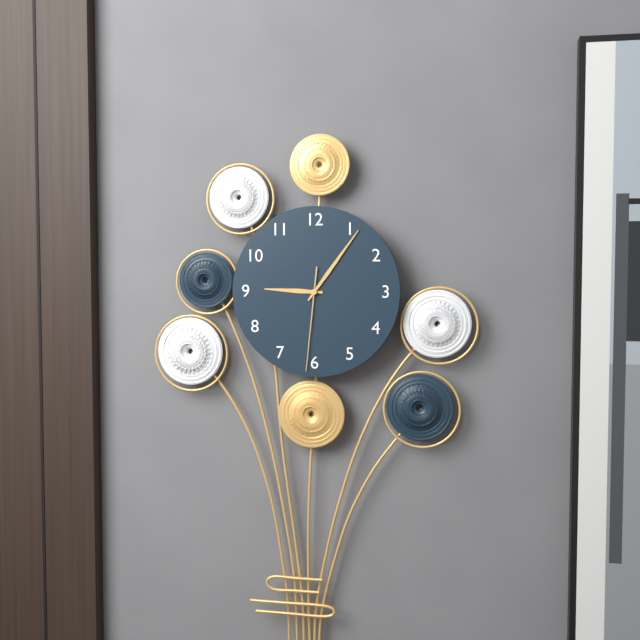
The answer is 9,06,31
